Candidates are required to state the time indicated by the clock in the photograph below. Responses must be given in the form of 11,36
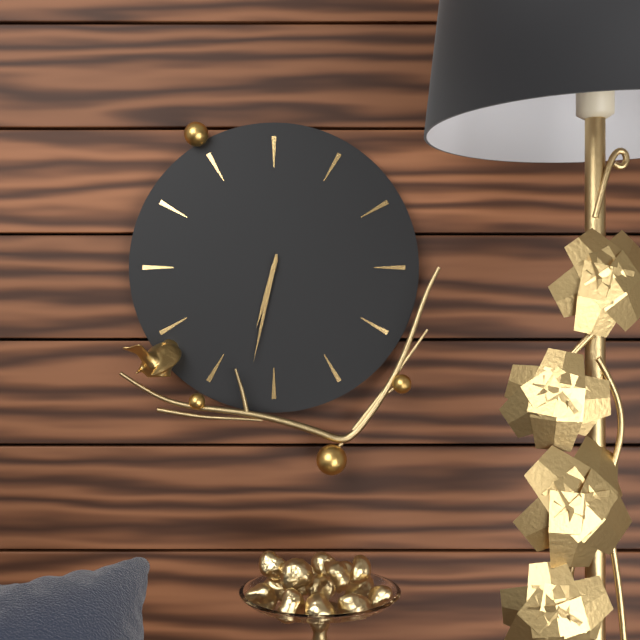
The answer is 6,32
